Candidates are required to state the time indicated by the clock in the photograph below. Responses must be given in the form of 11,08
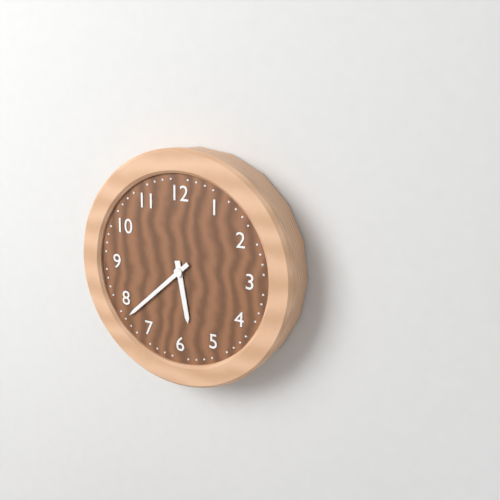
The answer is 5,38
